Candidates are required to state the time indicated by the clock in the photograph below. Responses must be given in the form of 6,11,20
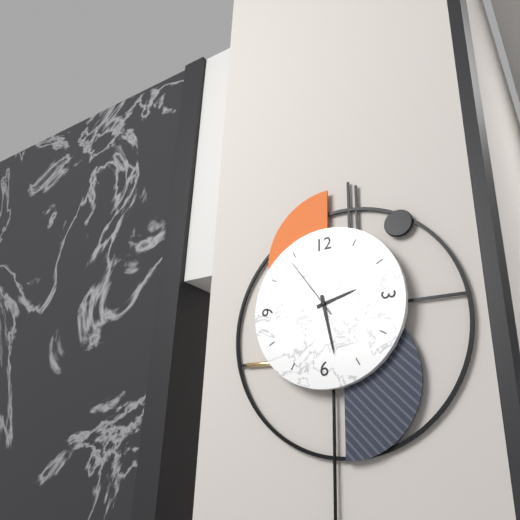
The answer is 2,28,54
